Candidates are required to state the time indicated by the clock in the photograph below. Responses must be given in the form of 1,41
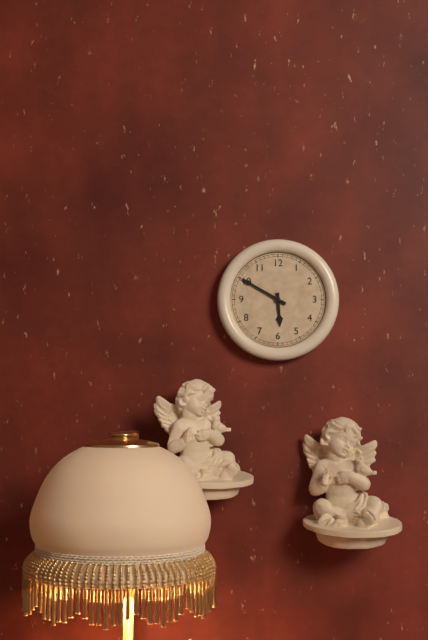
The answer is 5,50
